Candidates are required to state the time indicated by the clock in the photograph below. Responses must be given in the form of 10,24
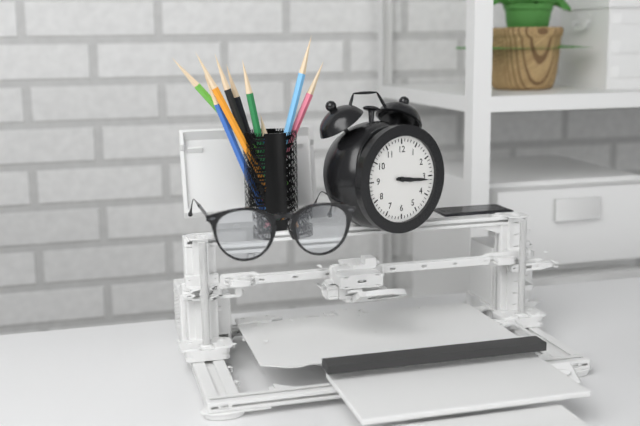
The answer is 3,16
